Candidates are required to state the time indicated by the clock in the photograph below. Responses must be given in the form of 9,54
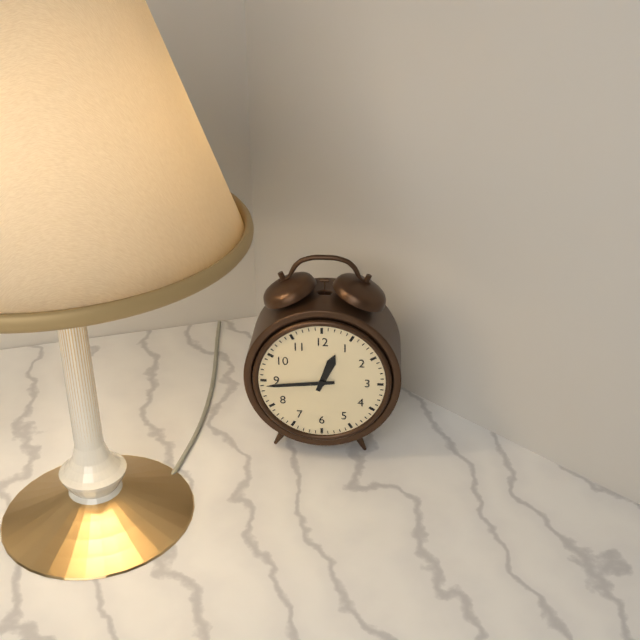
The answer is 12,44
